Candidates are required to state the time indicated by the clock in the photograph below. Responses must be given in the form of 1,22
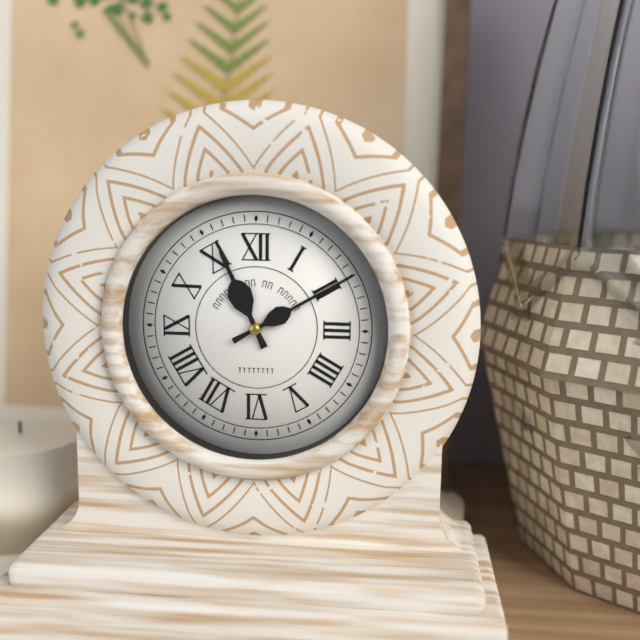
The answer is 11,10
